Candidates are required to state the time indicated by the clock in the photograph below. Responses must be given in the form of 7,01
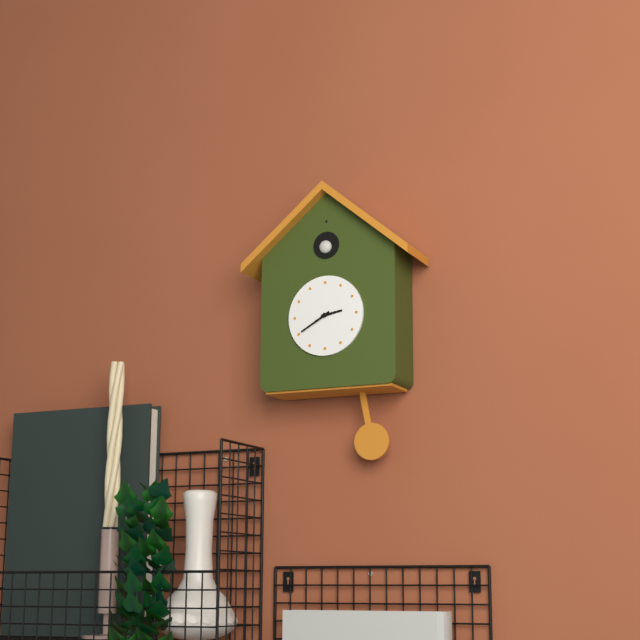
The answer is 2,40
